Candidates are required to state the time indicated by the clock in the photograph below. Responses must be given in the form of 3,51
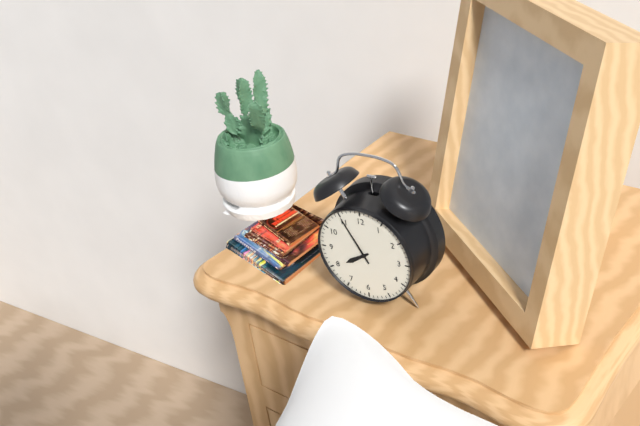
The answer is 7,55
